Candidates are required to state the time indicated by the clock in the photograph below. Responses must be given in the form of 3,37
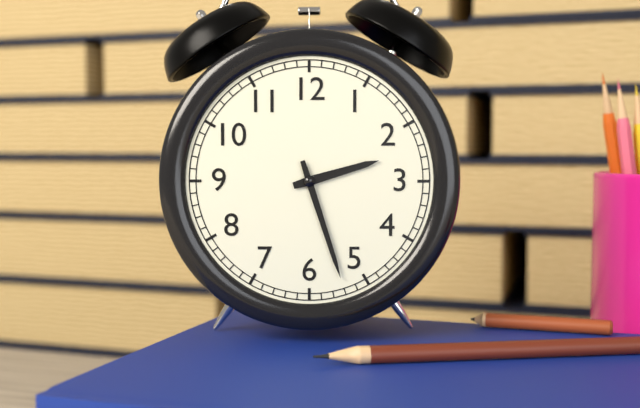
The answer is 2,27
